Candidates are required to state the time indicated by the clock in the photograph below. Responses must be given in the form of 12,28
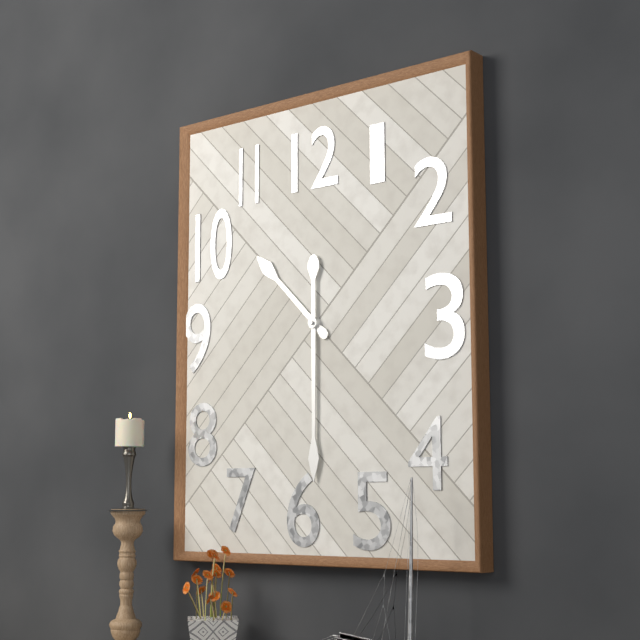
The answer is 10,30
